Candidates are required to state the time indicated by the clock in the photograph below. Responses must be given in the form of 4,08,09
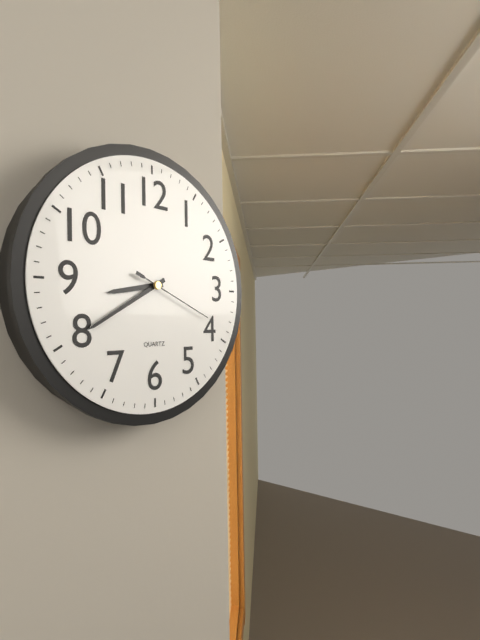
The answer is 8,40,19
